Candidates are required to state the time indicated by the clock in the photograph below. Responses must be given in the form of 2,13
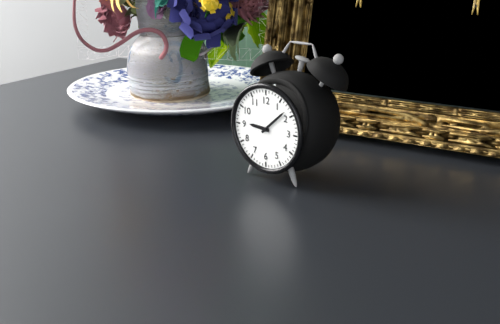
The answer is 9,08
